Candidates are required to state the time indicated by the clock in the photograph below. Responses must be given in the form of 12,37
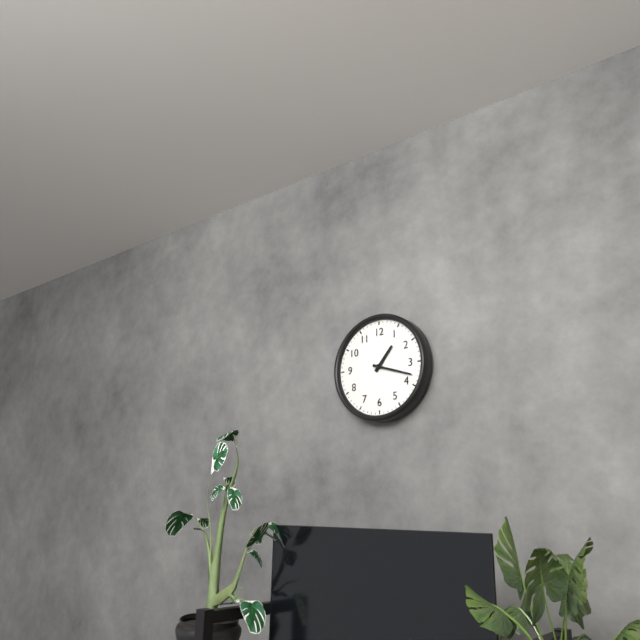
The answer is 1,18
